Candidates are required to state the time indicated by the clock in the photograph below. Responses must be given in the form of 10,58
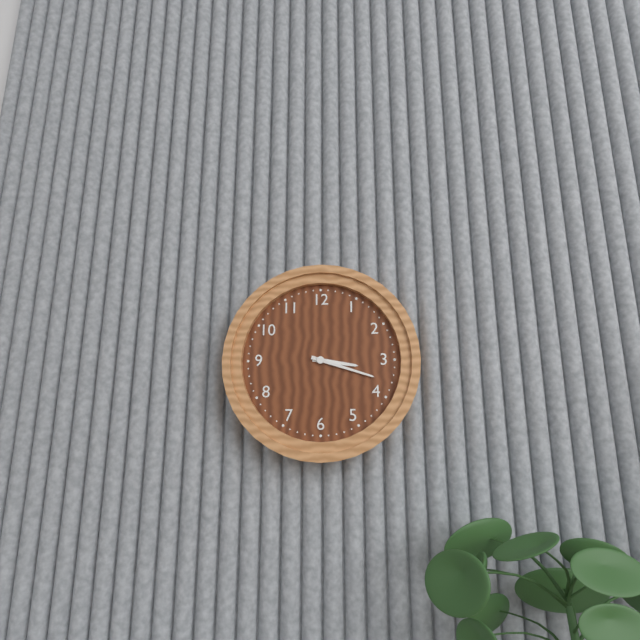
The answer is 3,18
